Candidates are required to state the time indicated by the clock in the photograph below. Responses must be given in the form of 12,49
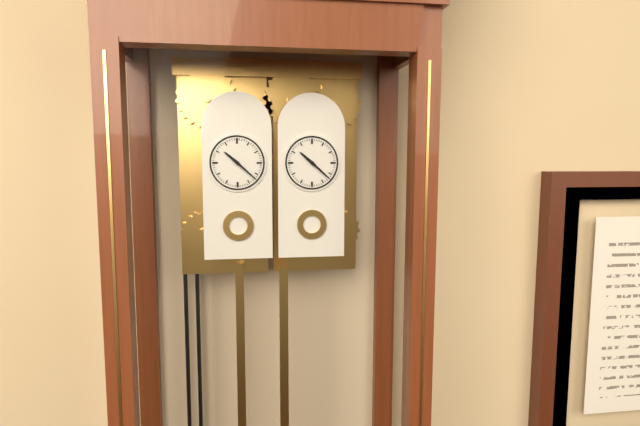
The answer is 10,22
